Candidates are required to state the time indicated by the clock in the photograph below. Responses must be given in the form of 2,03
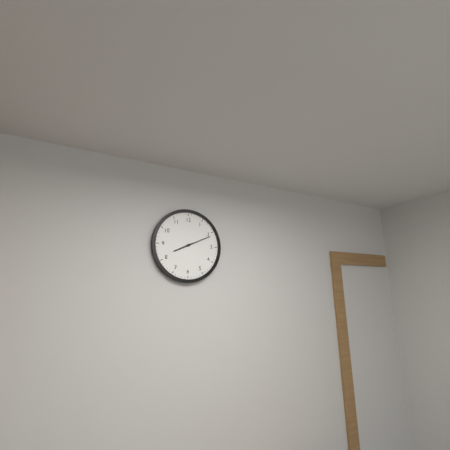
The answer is 8,11
